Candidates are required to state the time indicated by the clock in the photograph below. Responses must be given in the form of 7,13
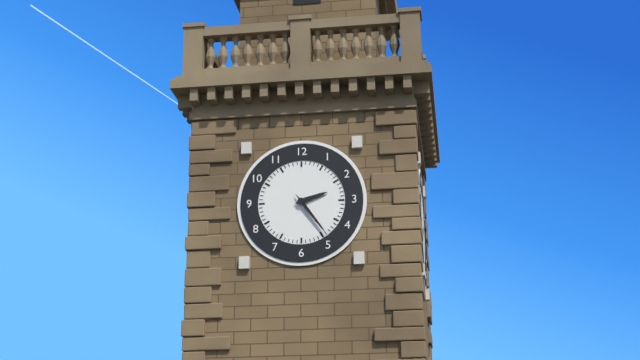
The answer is 2,24
